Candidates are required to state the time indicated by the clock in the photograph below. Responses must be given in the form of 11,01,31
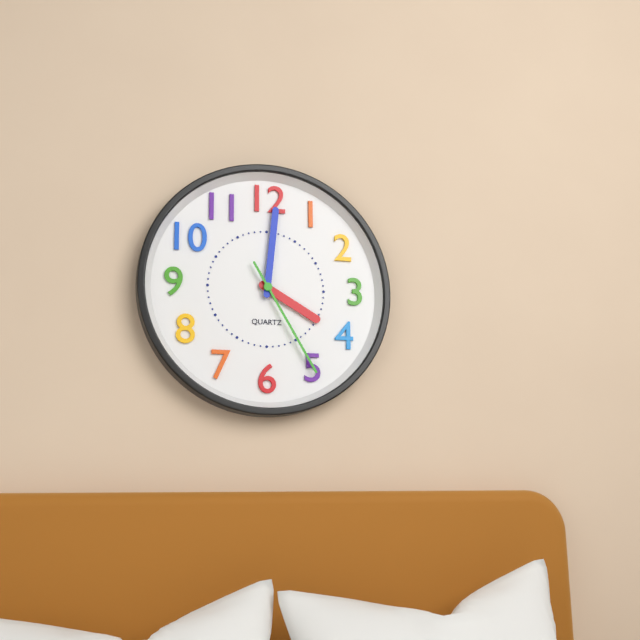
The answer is 4,01,25
